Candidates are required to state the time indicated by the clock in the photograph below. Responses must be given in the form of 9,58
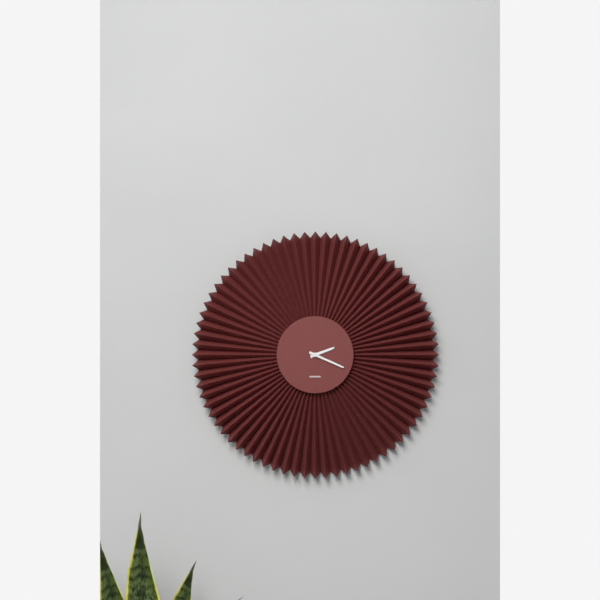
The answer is 2,19
